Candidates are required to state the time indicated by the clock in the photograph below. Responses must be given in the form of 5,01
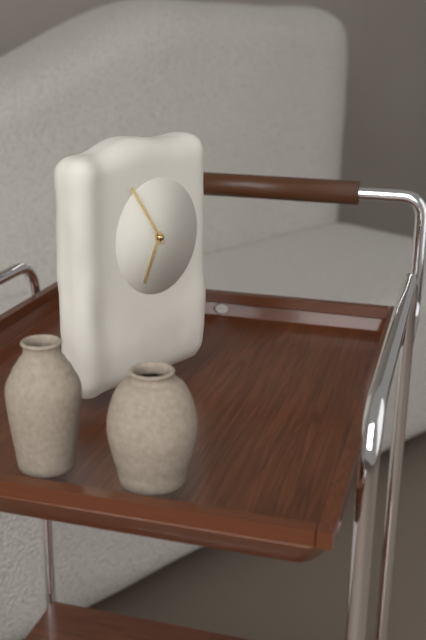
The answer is 6,54
